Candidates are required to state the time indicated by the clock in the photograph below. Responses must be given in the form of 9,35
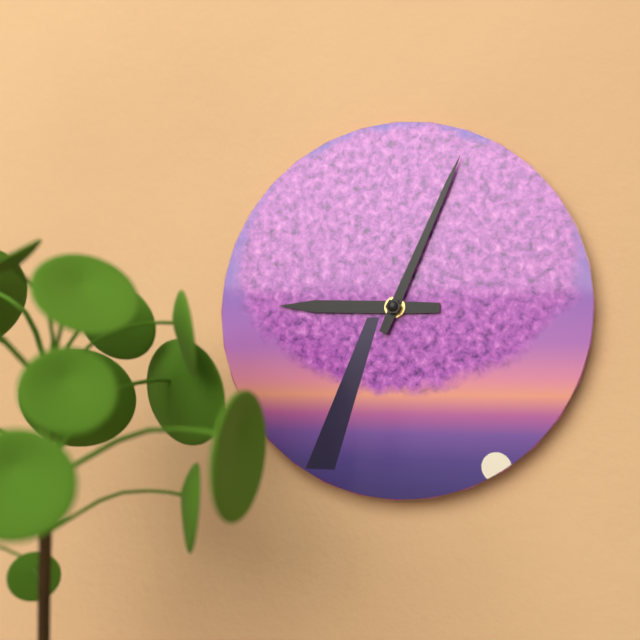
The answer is 9,04
